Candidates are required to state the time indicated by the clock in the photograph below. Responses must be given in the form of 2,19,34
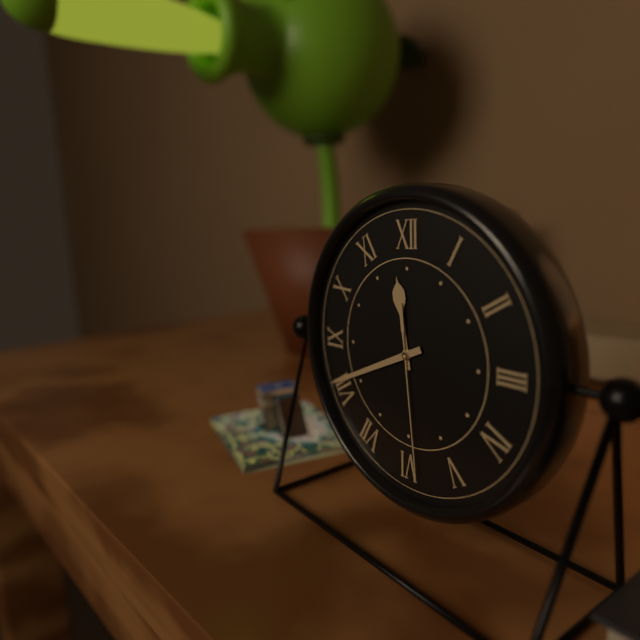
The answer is 11,41,29
